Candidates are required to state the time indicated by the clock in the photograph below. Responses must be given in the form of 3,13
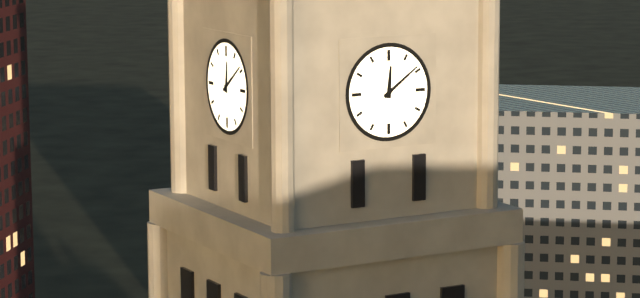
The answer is 12,09
